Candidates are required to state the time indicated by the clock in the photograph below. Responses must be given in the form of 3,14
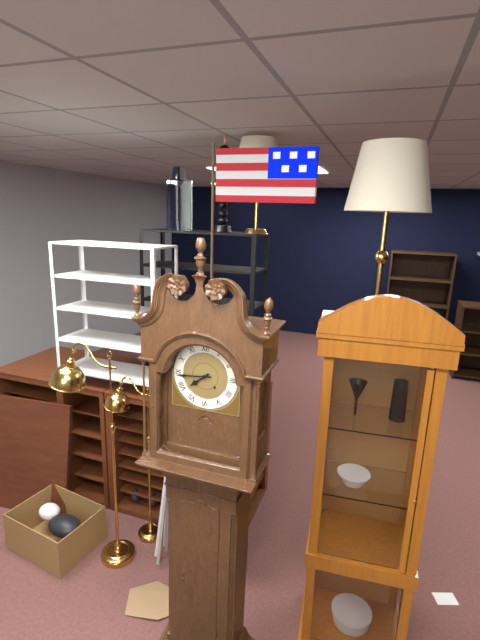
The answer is 7,44
